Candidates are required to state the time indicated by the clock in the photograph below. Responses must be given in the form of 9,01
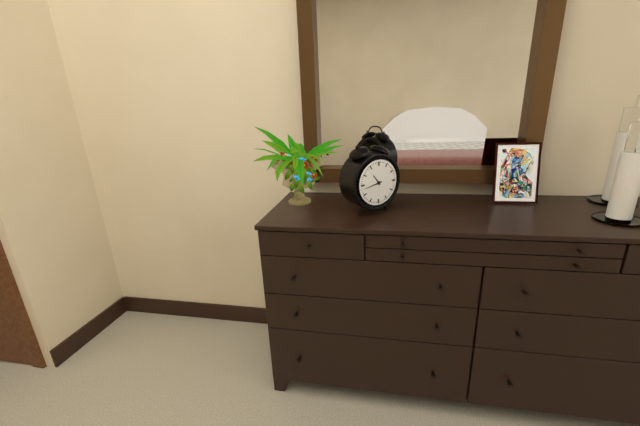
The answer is 10,43
